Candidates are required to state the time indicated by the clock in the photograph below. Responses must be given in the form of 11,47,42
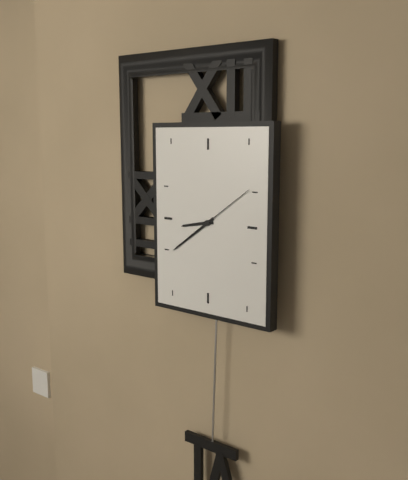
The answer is 8,39,09
